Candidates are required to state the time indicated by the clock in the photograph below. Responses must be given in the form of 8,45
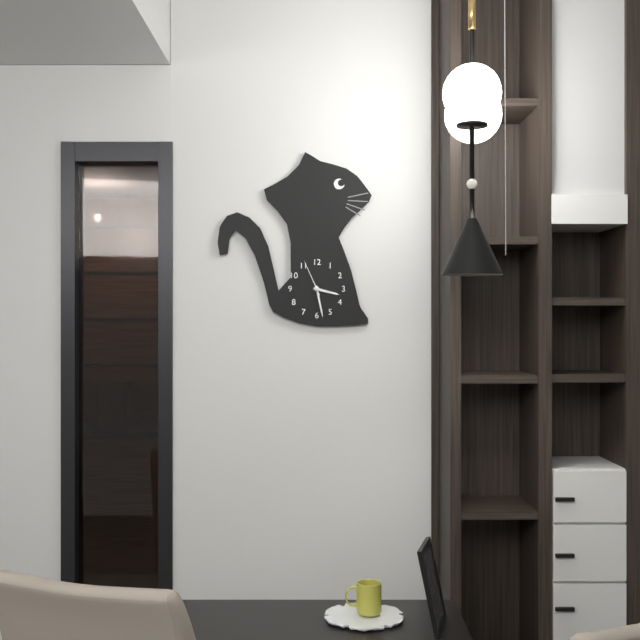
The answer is 3,28
